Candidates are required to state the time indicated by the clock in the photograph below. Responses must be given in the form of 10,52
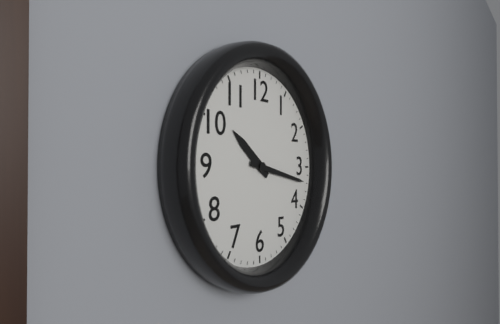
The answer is 10,17
